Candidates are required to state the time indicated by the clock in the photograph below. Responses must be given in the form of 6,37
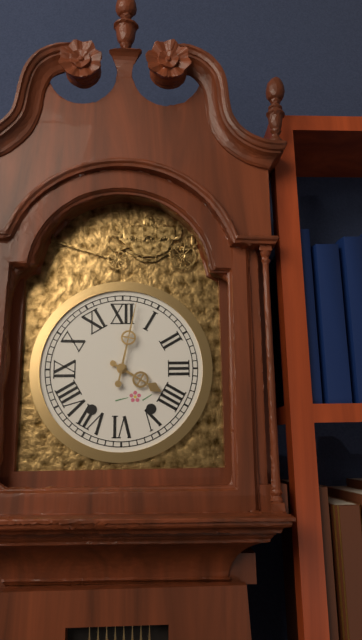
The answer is 4,02
